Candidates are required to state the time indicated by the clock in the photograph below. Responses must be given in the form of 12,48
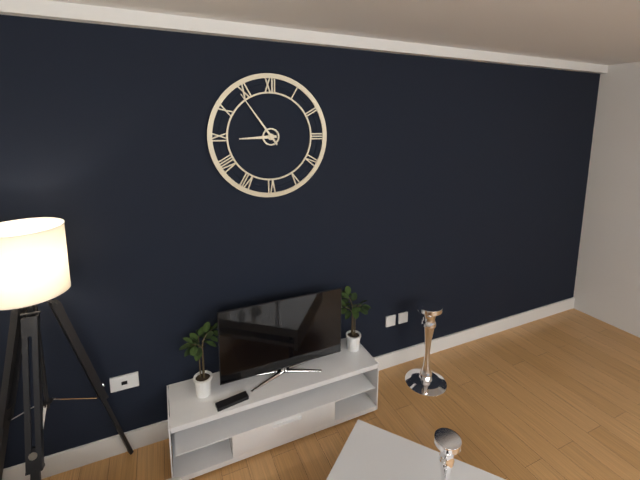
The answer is 8,54
